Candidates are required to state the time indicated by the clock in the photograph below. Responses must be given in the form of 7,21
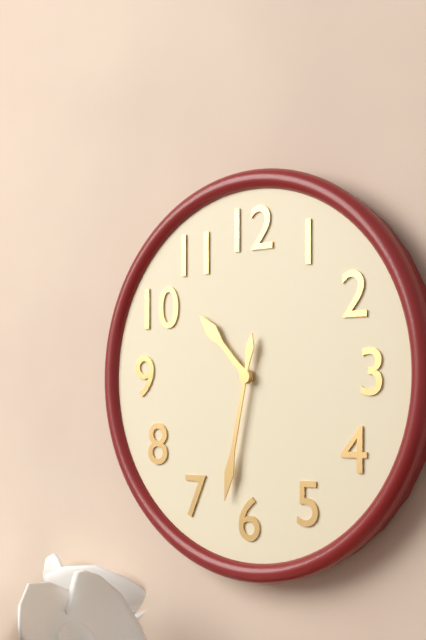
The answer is 10,32
